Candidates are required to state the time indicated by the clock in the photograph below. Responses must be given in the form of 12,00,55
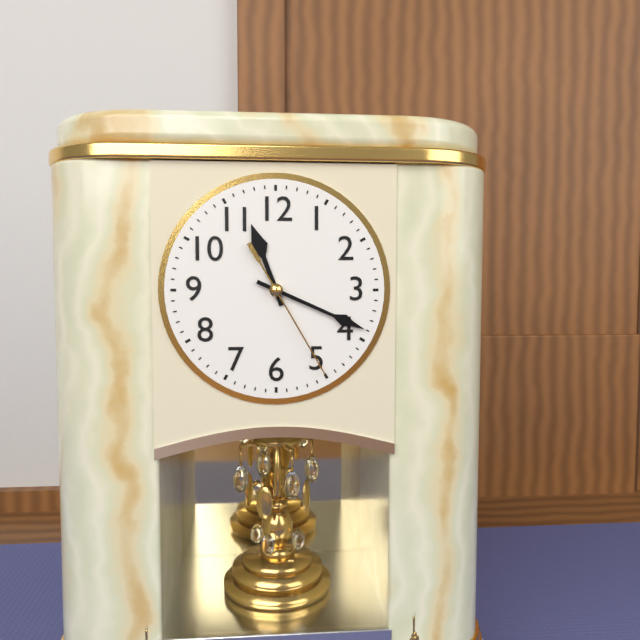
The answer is 11,19,25
